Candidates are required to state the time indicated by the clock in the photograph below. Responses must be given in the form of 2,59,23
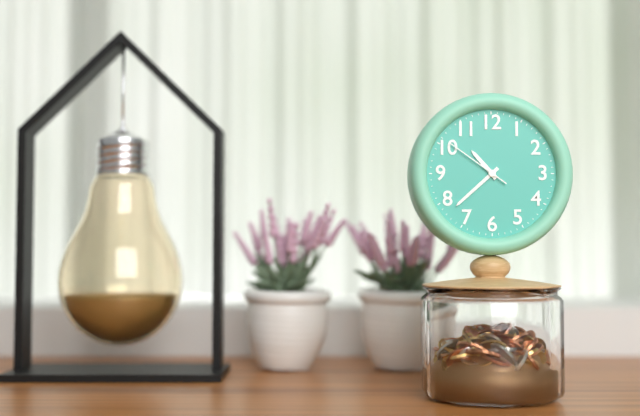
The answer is 10,38,51
